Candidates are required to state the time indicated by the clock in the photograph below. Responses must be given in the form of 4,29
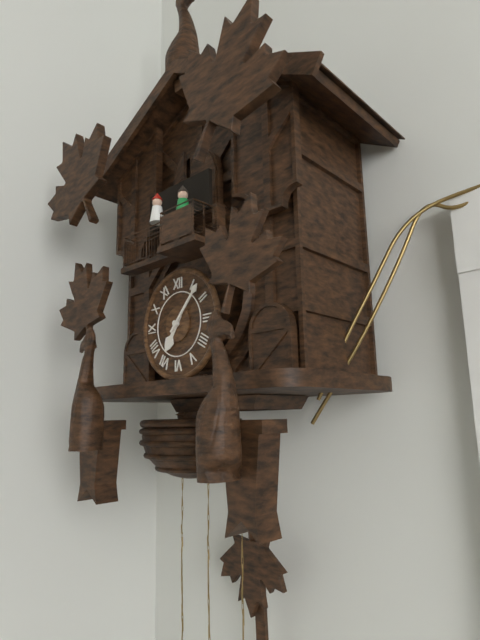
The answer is 7,07
